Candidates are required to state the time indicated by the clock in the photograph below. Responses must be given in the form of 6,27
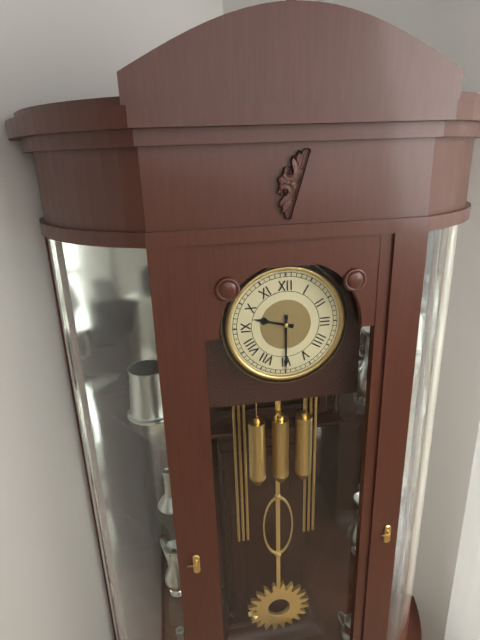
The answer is 9,30
